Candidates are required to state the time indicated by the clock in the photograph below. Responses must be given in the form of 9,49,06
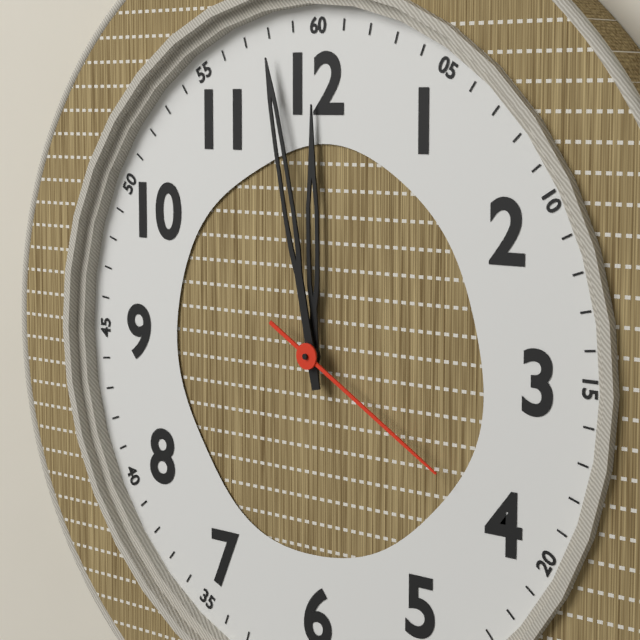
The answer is 11,58,20
